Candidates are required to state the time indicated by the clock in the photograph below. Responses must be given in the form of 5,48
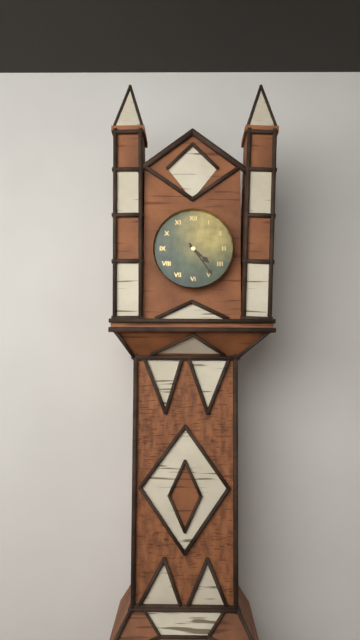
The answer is 4,24
